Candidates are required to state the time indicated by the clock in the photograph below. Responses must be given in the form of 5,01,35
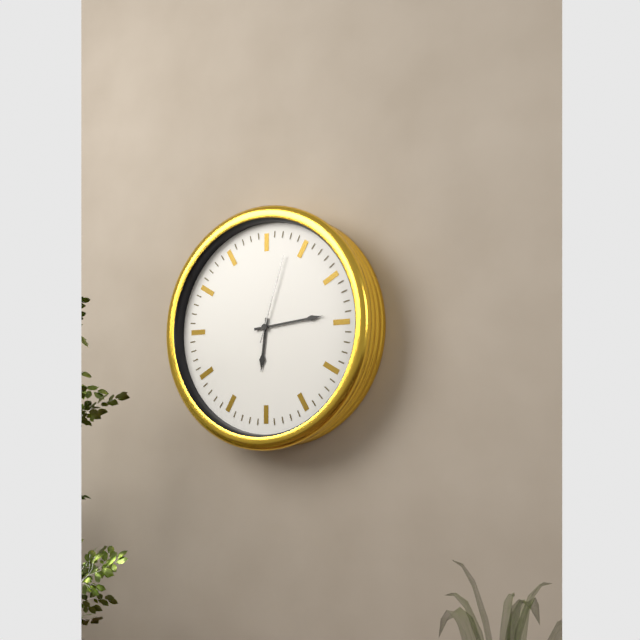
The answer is 6,14,03
